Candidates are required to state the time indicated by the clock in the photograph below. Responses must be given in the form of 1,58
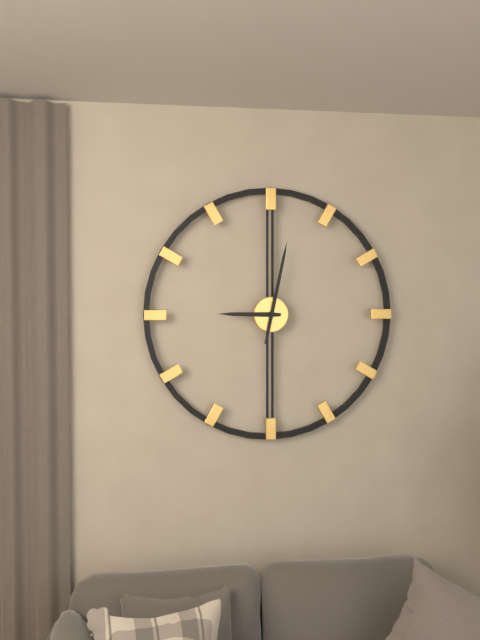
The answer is 9,02
